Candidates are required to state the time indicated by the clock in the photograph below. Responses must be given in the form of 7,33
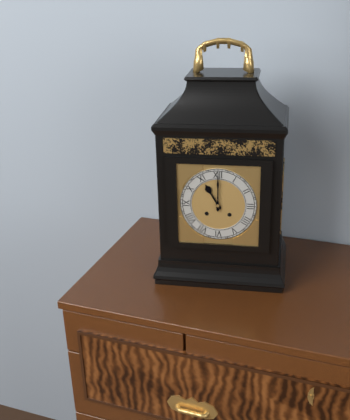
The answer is 11,00
